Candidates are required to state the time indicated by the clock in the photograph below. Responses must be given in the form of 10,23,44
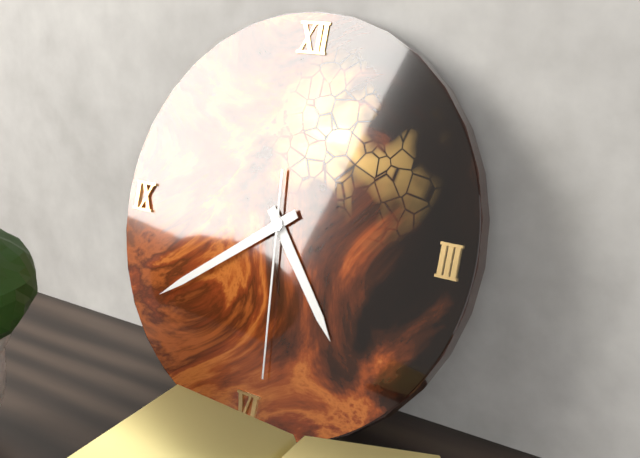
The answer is 4,39,29
